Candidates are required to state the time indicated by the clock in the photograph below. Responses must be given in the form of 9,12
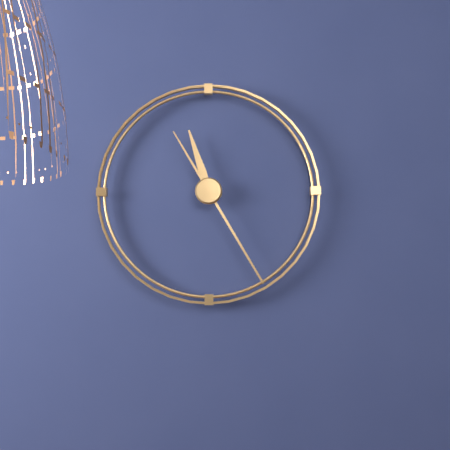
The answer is 11,25
